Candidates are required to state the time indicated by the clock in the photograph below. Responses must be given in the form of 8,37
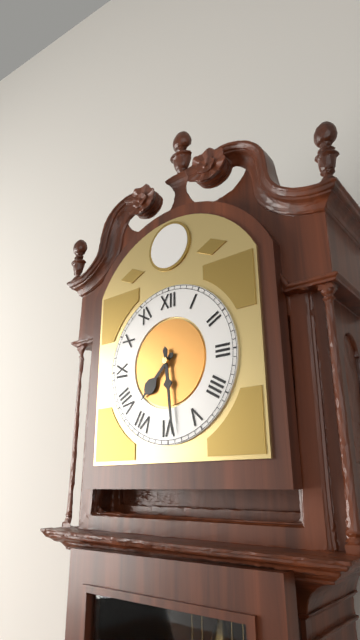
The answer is 7,29
